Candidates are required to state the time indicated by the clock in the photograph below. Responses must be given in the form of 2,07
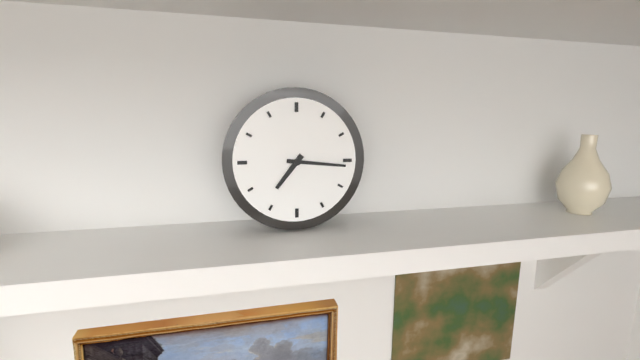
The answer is 7,16
